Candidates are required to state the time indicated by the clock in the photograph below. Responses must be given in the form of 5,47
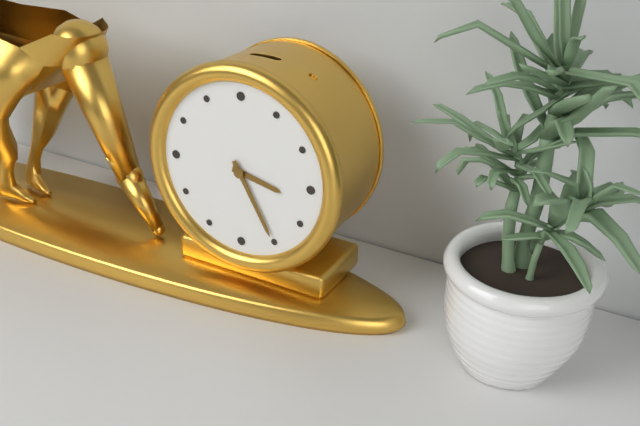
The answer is 3,25
